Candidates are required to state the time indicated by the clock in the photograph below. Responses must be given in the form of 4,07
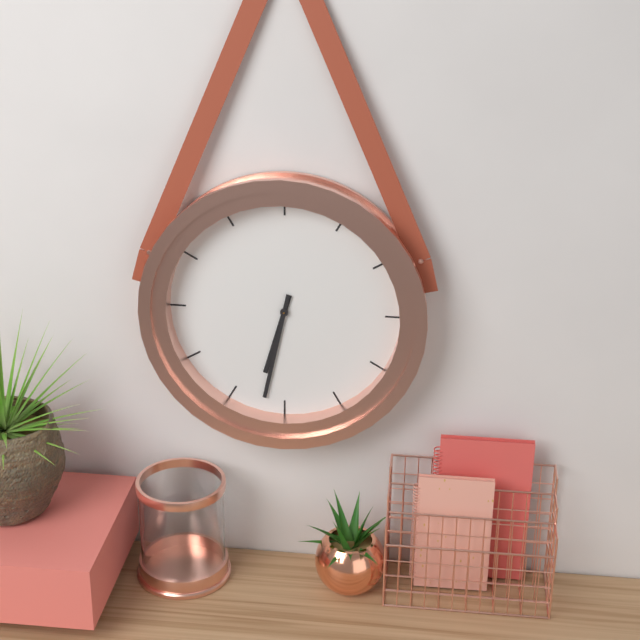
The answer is 6,32
